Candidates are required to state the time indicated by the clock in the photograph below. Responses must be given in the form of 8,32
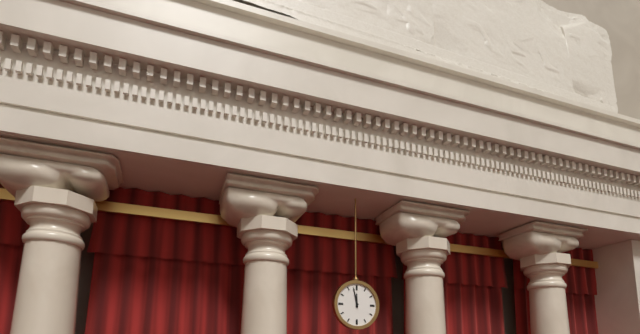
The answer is 11,58
